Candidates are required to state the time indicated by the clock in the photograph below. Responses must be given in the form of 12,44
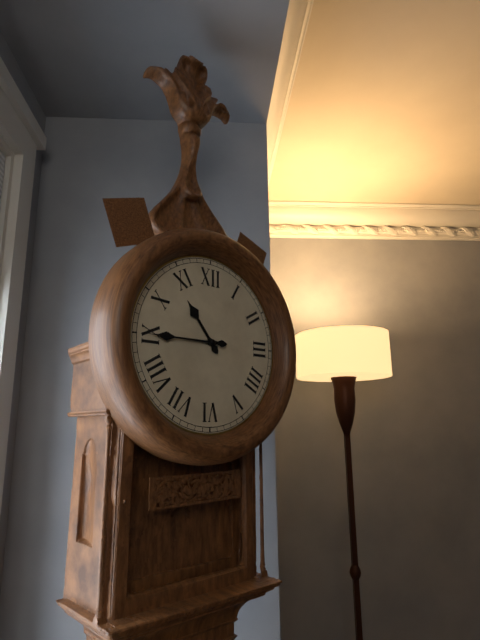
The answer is 10,45
